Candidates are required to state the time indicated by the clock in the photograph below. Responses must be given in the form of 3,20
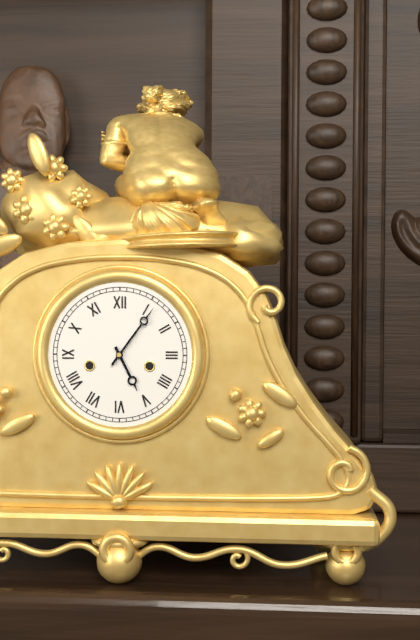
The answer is 5,06
